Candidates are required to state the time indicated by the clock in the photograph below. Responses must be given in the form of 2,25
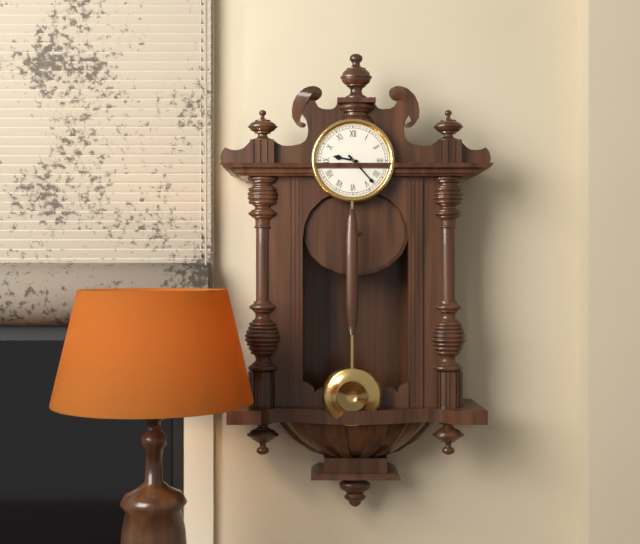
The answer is 9,23
